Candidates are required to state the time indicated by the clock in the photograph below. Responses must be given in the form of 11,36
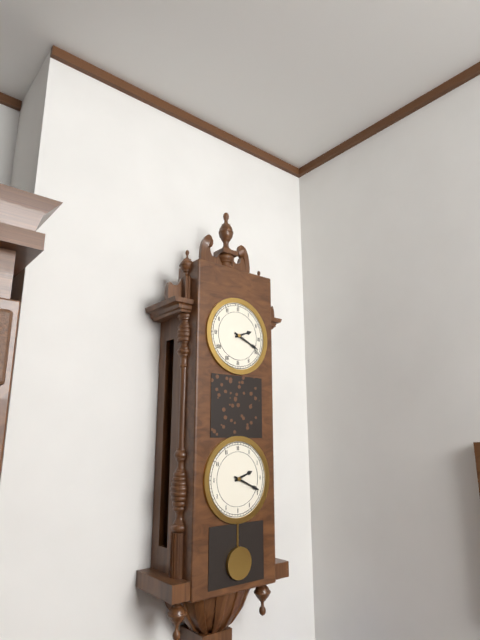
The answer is 2,19
